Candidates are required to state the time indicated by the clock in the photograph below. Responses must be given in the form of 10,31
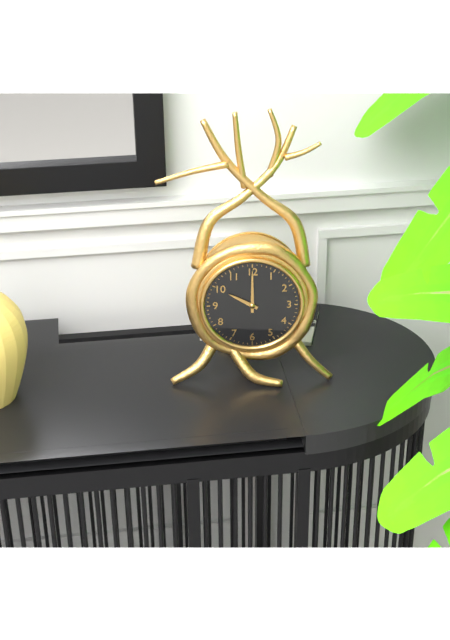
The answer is 10,00
